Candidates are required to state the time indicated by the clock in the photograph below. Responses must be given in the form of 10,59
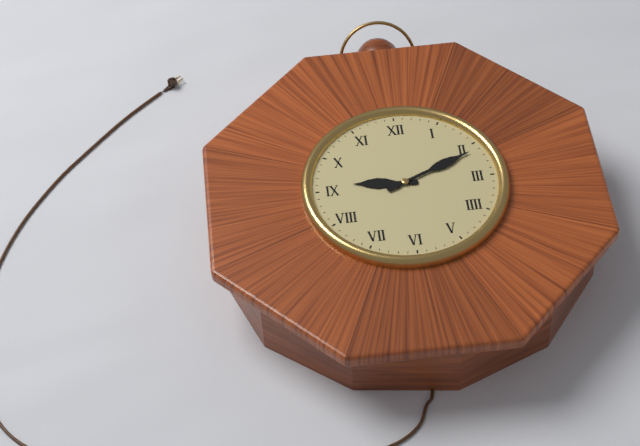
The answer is 9,11
